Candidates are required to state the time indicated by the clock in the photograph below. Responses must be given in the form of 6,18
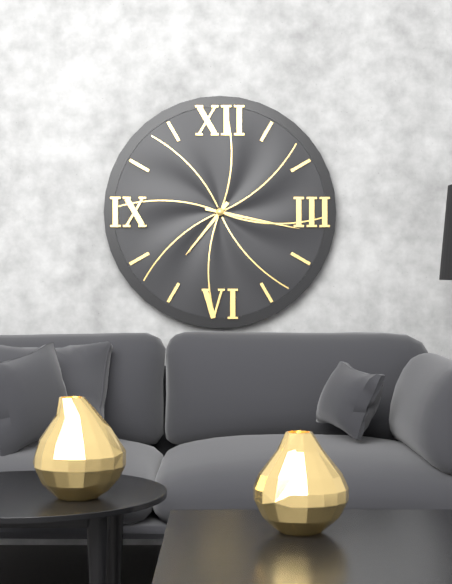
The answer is 7,17
